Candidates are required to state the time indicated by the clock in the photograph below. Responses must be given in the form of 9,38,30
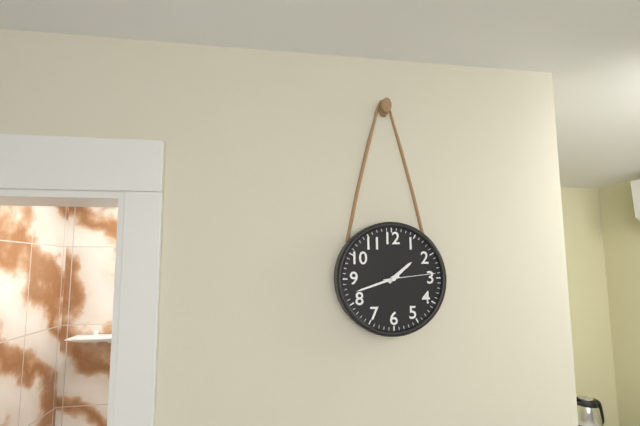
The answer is 1,42,14
